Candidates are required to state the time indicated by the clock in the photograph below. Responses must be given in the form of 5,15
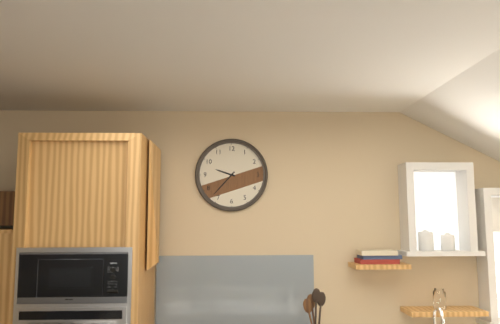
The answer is 9,37
